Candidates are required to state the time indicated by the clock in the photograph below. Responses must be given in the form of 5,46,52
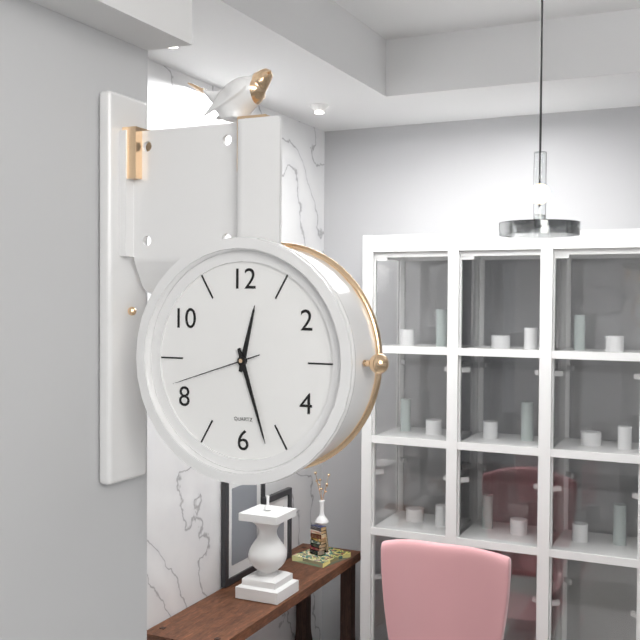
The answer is 12,27,42
